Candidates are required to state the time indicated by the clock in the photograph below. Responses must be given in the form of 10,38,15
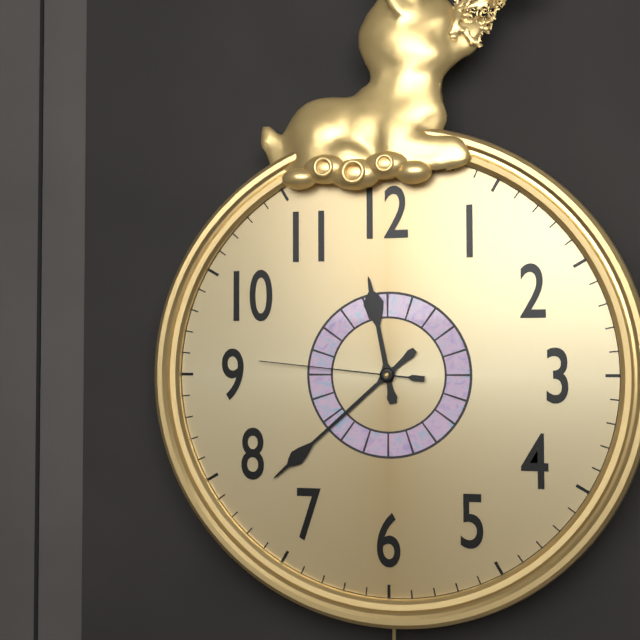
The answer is 11,38,46
